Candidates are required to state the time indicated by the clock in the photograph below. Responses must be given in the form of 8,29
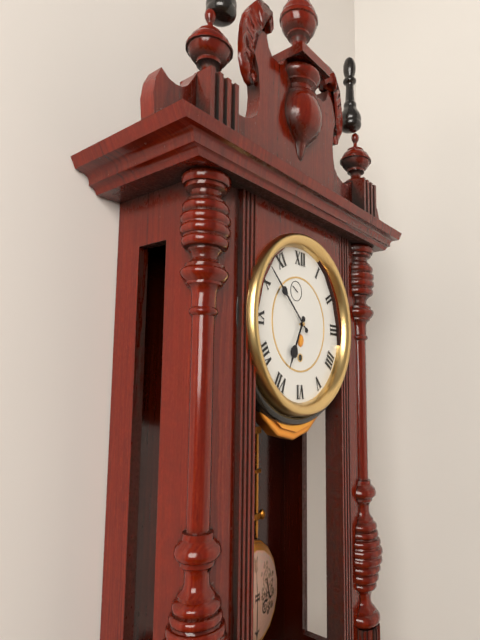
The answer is 6,52
